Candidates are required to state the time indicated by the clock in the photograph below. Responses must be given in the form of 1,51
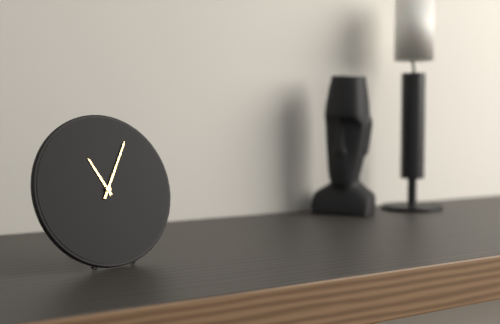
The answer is 11,05
